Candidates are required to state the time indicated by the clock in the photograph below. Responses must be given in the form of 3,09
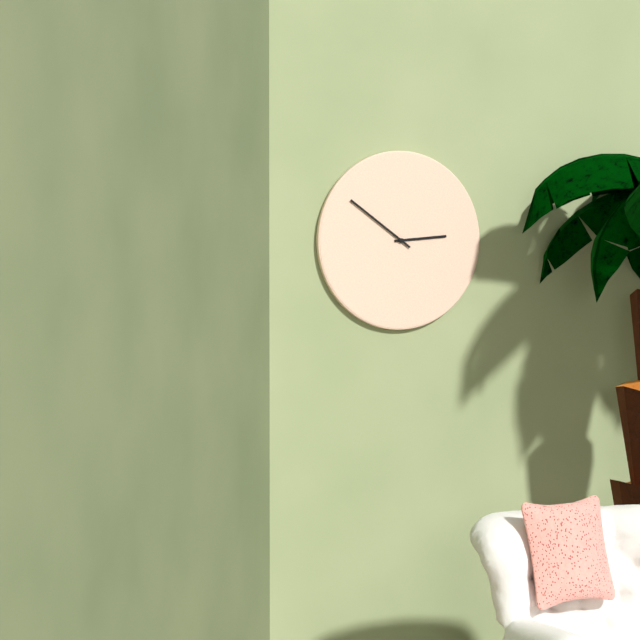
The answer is 2,51
